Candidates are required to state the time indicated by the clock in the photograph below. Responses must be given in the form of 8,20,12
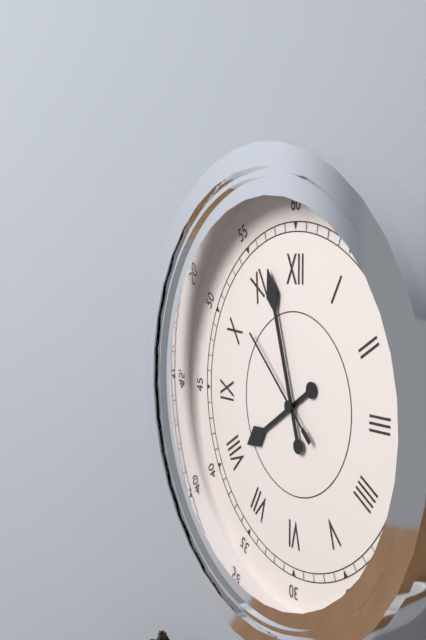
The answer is 7,57,52
